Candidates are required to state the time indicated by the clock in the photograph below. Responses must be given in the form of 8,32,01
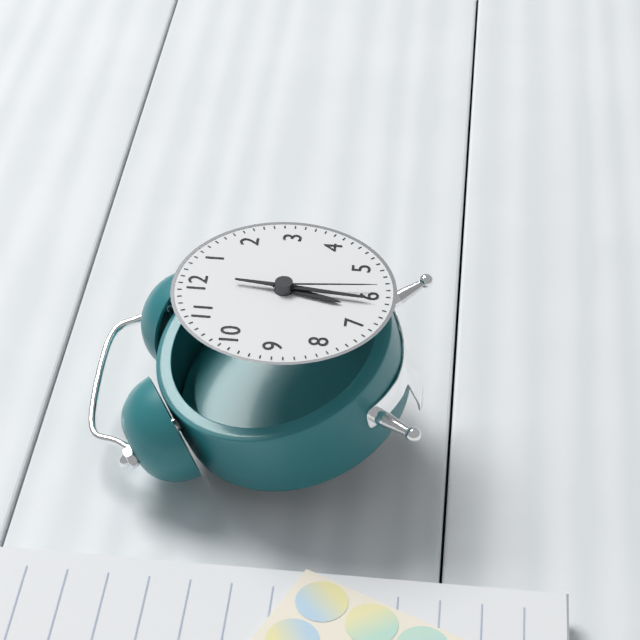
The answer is 6,31,29
